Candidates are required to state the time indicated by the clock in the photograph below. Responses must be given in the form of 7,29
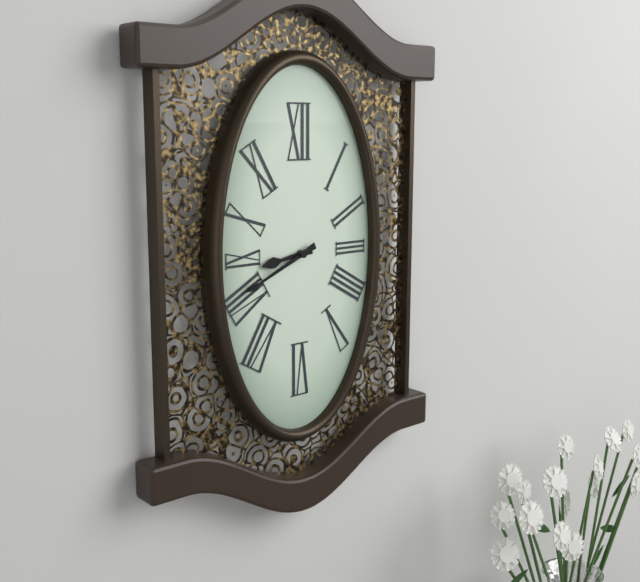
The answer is 8,41
